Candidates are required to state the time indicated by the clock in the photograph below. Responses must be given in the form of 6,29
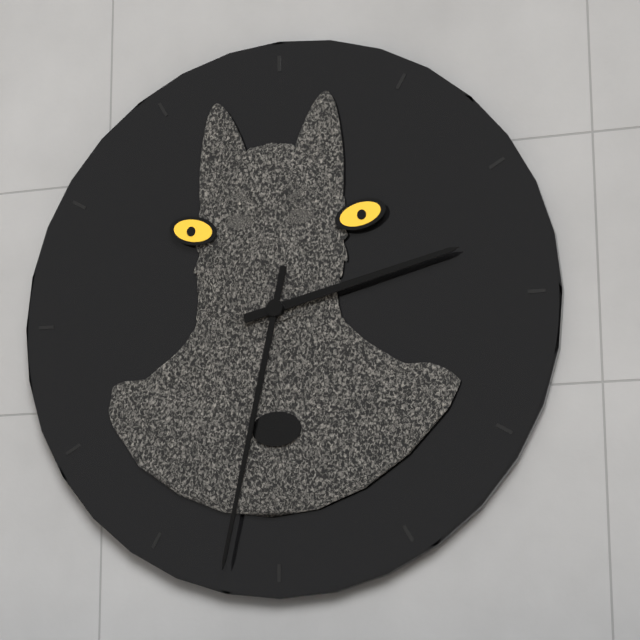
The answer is 2,32
